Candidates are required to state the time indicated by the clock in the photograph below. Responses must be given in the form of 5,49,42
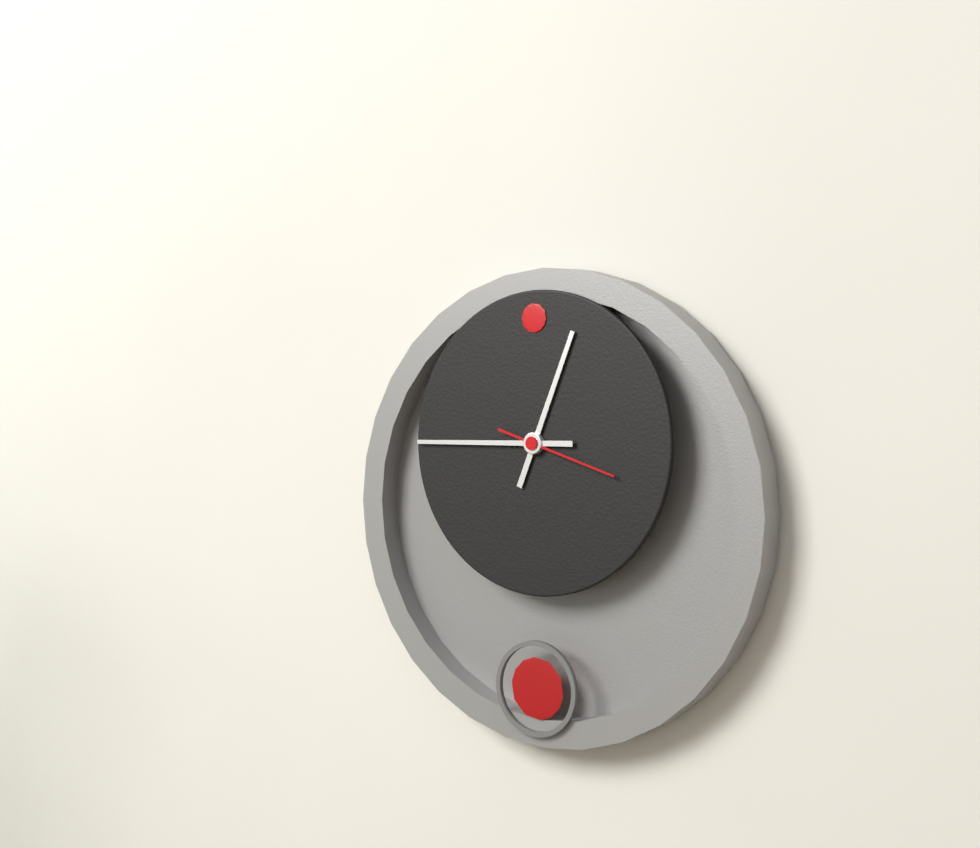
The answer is 12,45,18
